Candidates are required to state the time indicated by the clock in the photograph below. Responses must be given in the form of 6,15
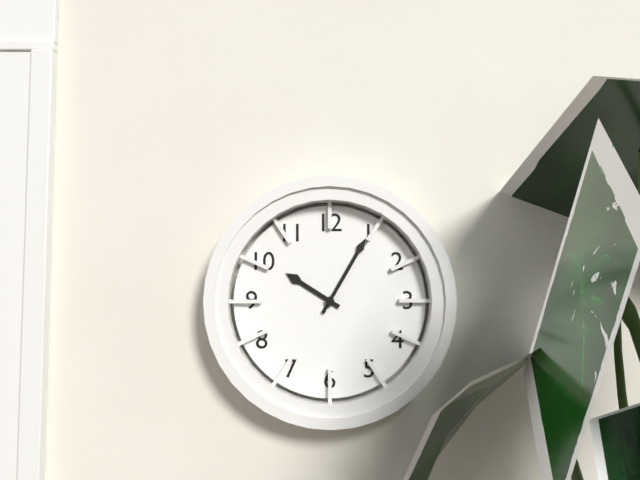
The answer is 10,05
